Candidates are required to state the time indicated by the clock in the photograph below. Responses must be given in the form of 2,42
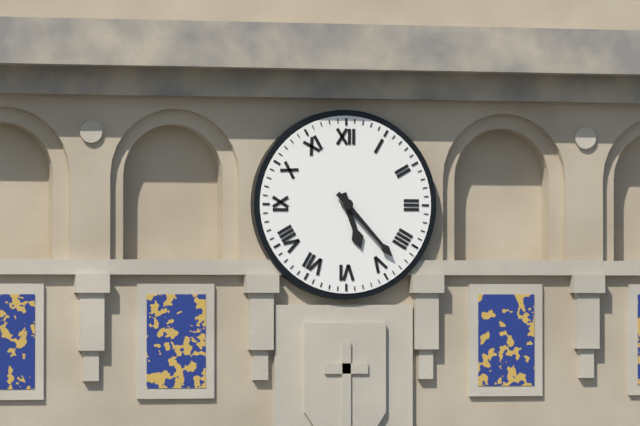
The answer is 5,23
